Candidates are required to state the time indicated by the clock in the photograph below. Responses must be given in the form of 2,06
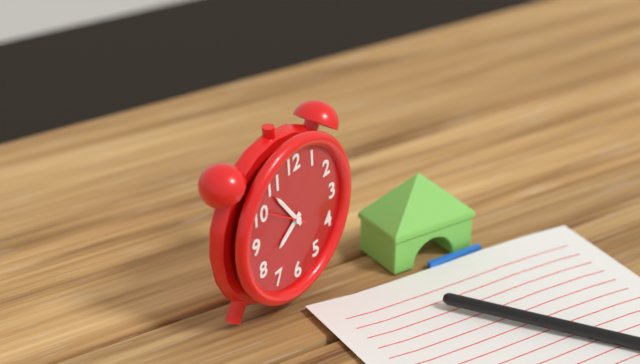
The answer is 7,54
